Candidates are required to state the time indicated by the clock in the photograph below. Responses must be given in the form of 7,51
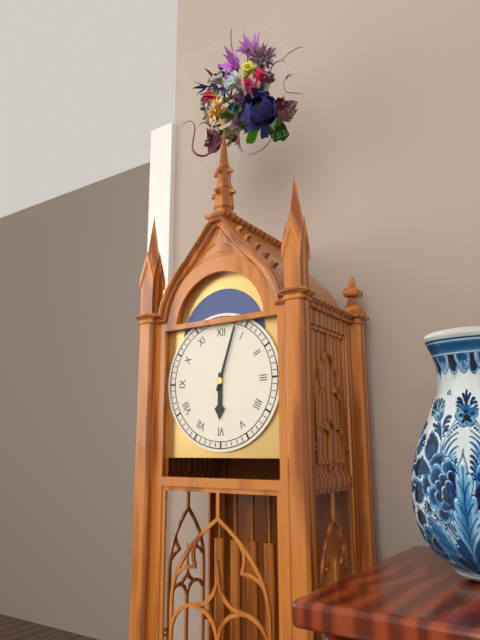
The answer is 6,03
